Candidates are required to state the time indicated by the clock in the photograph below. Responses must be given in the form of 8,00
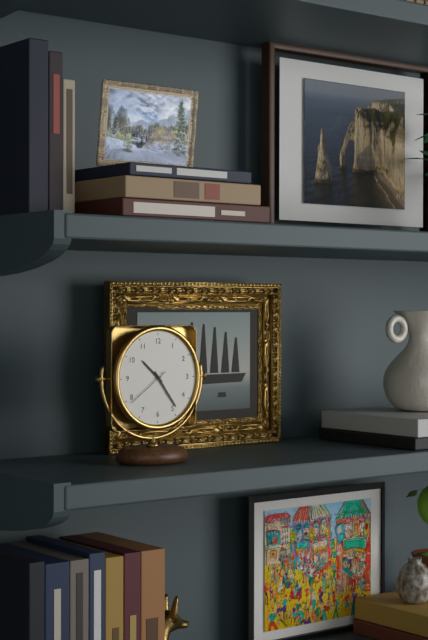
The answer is 10,24
